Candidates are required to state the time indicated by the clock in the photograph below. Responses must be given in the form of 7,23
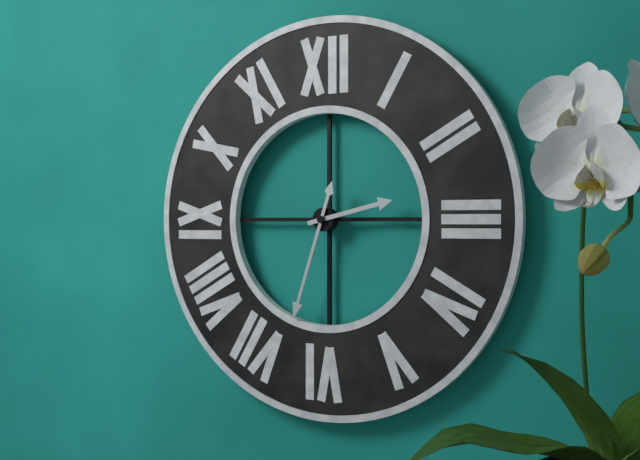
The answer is 2,33
